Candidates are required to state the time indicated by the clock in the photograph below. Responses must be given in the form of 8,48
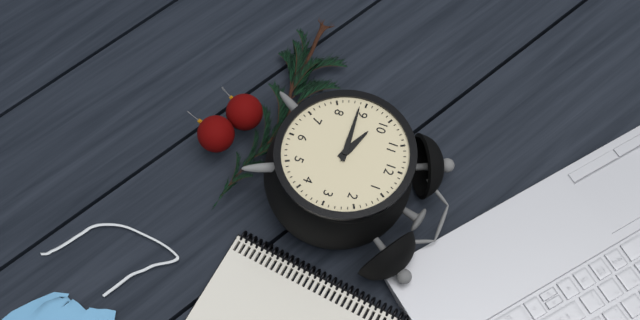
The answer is 9,44
